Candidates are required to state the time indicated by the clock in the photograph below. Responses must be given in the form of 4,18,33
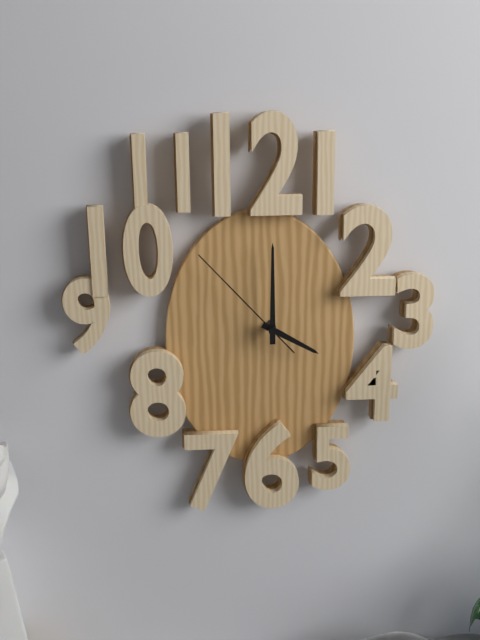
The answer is 4,00,53
